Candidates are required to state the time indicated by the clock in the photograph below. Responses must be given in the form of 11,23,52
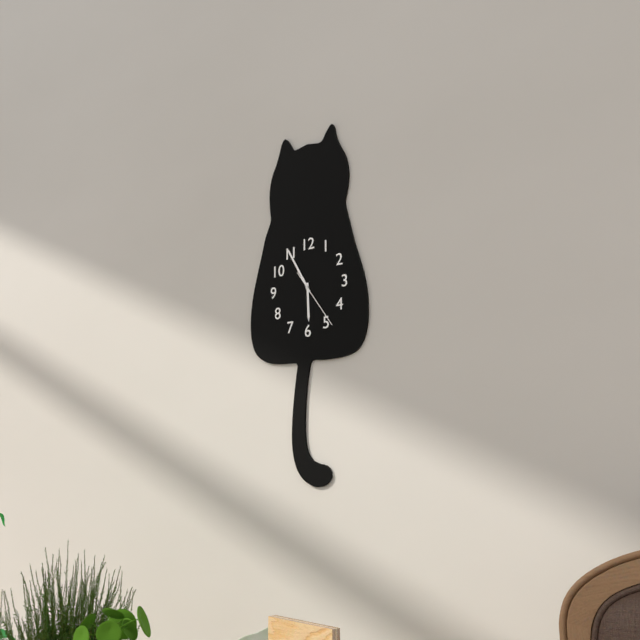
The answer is 5,55,24
